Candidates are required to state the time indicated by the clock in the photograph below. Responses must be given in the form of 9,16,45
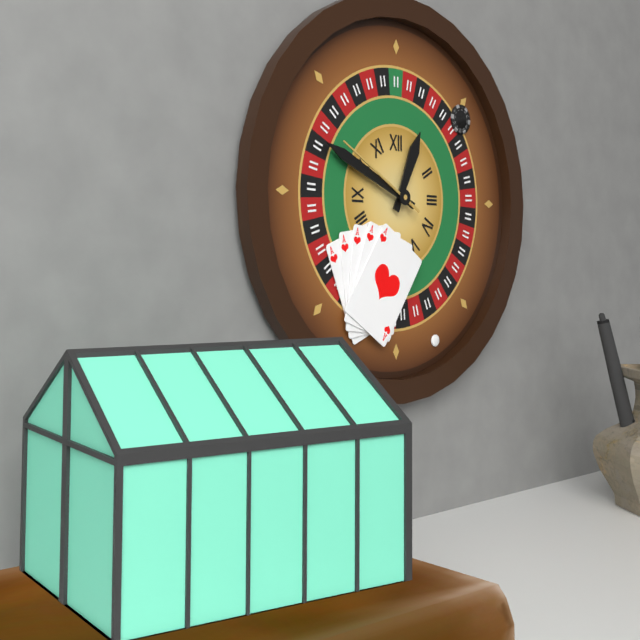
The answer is 12,49,50
